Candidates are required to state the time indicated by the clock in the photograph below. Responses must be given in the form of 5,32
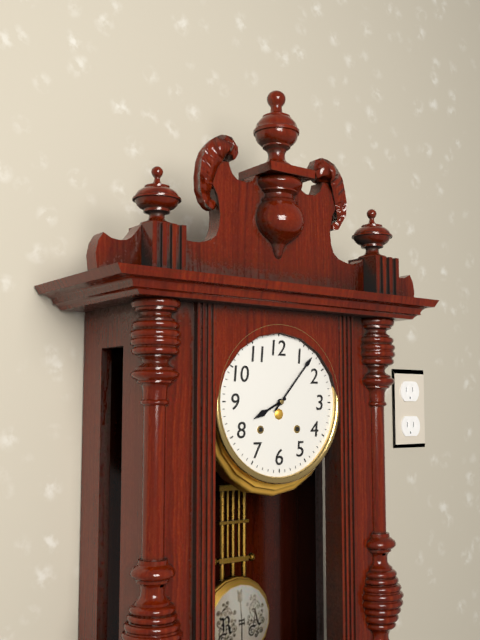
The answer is 8,07
